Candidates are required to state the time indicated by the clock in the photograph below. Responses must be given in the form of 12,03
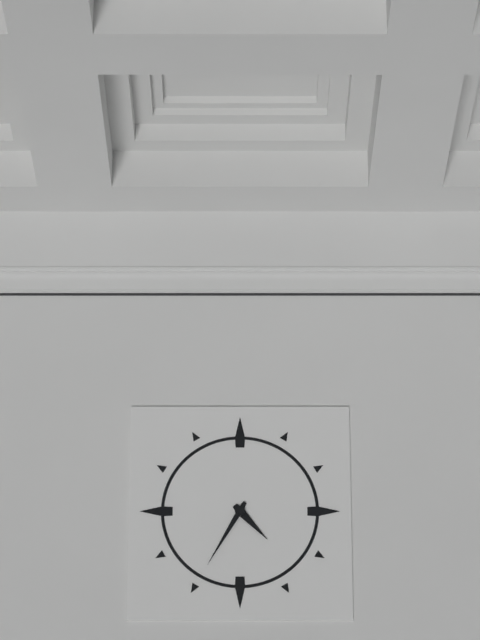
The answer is 4,35
